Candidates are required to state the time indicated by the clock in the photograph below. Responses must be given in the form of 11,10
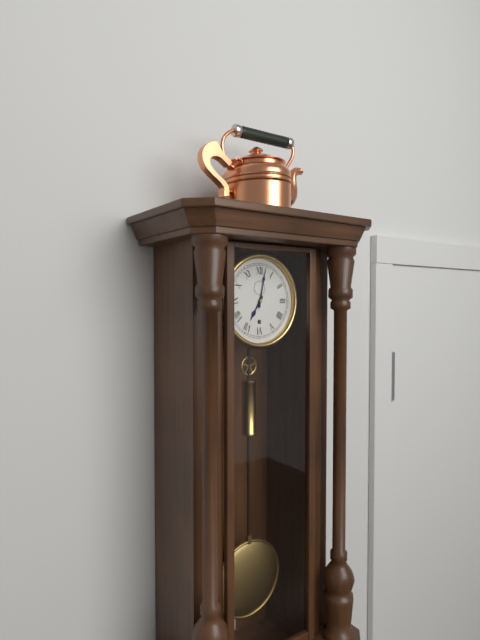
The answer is 7,02
